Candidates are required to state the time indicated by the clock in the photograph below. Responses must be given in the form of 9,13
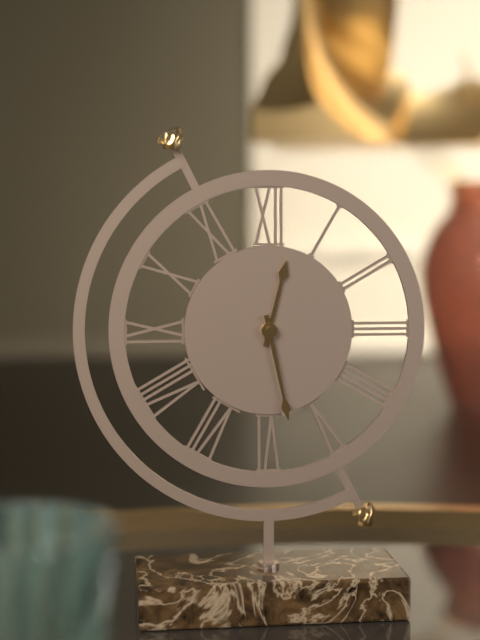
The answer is 12,28
